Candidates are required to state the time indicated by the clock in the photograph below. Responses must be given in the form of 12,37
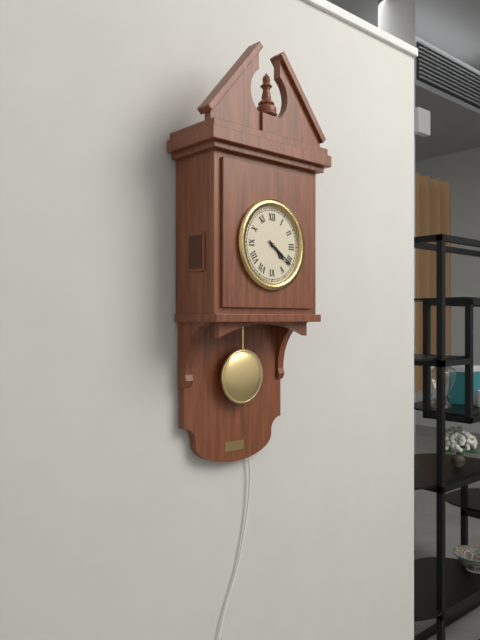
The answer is 4,21
